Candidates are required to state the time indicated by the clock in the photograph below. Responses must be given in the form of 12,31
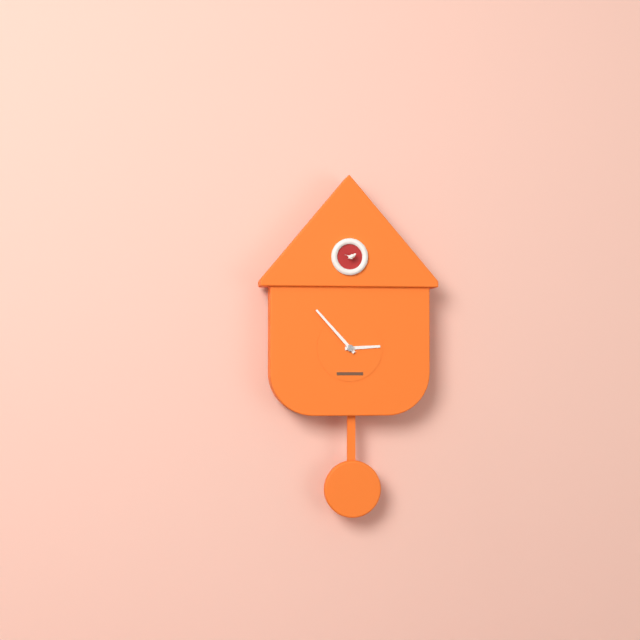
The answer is 2,53
